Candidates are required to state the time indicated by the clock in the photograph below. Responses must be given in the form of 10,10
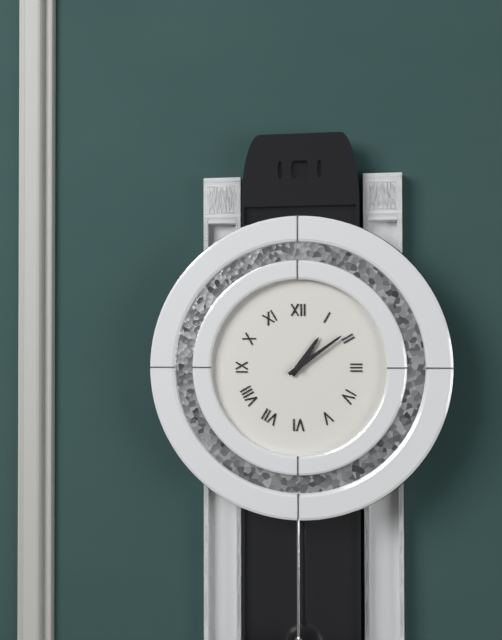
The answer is 1,09
